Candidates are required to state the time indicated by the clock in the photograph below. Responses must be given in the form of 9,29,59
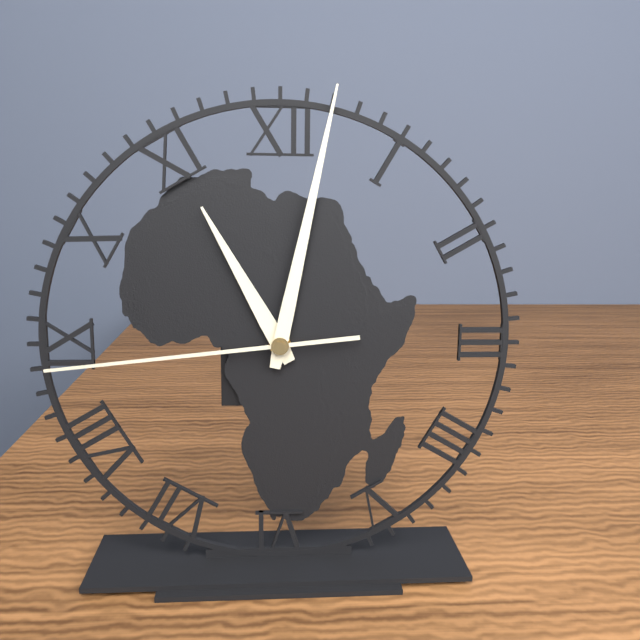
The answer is 11,02,44
